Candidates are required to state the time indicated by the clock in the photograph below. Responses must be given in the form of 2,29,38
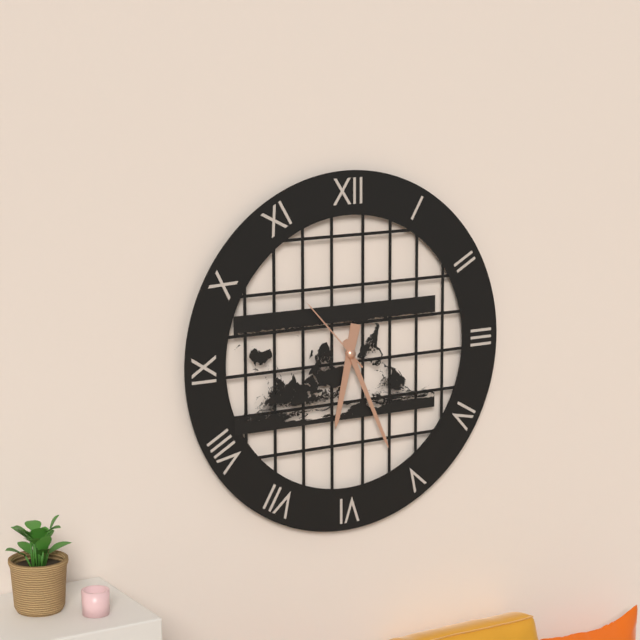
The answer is 6,26,53
